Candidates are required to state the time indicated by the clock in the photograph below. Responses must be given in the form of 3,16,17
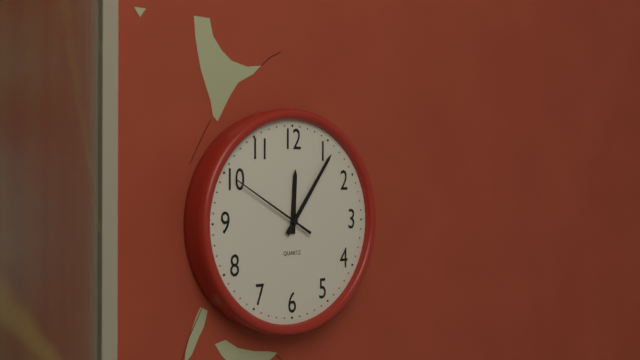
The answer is 12,06,50
